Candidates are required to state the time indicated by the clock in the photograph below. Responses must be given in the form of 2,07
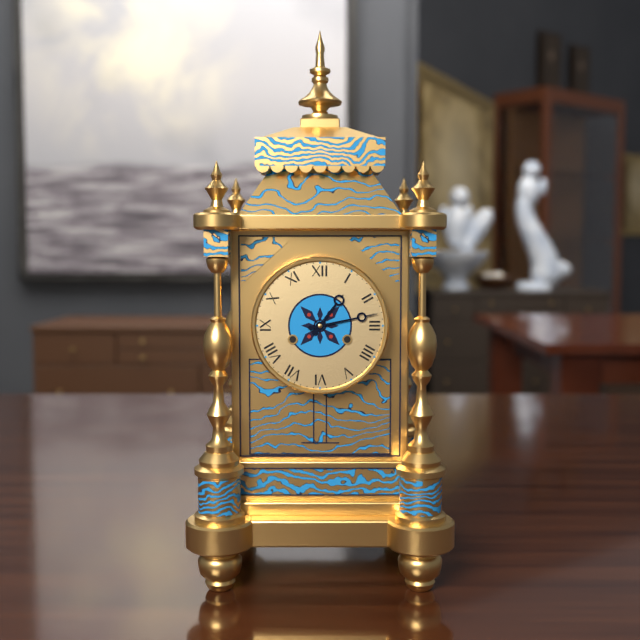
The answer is 1,13
